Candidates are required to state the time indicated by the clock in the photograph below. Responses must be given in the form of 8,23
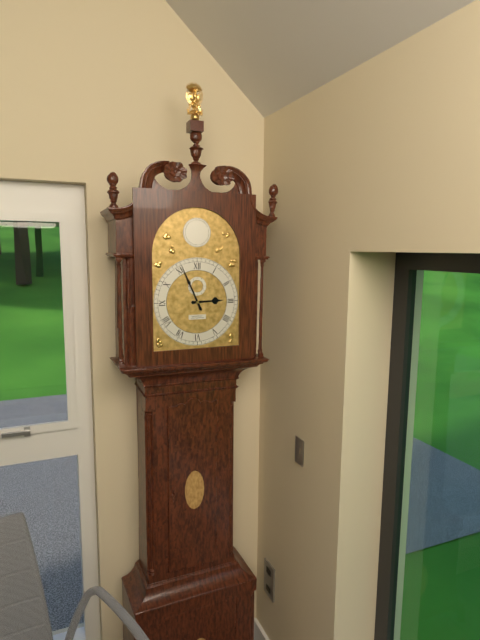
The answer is 2,56
